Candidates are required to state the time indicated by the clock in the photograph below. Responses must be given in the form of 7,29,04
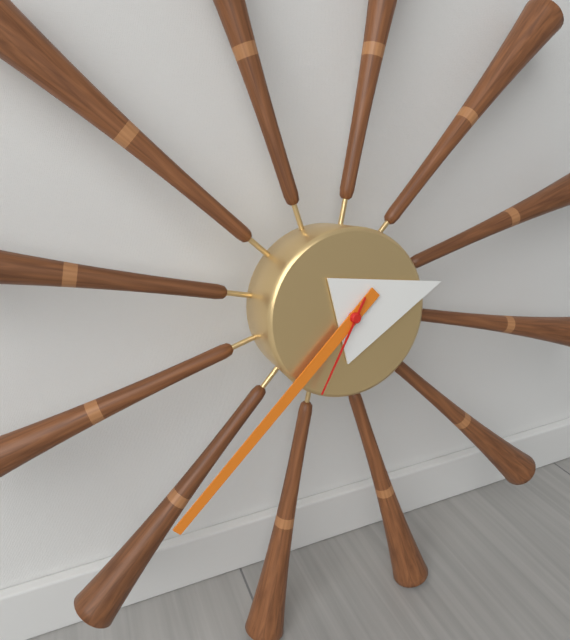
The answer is 2,38,35
